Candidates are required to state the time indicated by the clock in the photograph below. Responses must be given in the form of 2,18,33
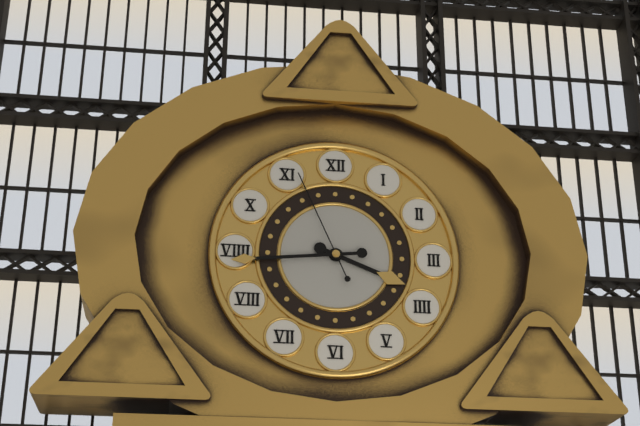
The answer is 3,44,56
